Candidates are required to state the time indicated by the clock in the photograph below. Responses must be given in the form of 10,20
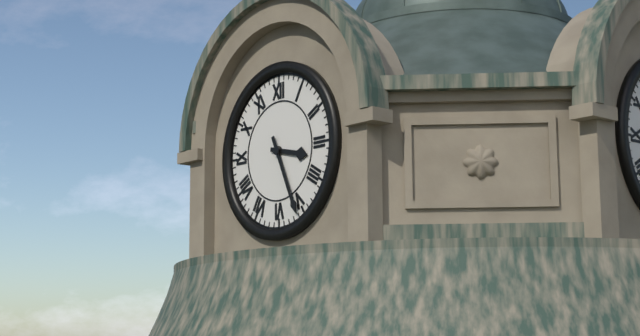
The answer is 3,26
